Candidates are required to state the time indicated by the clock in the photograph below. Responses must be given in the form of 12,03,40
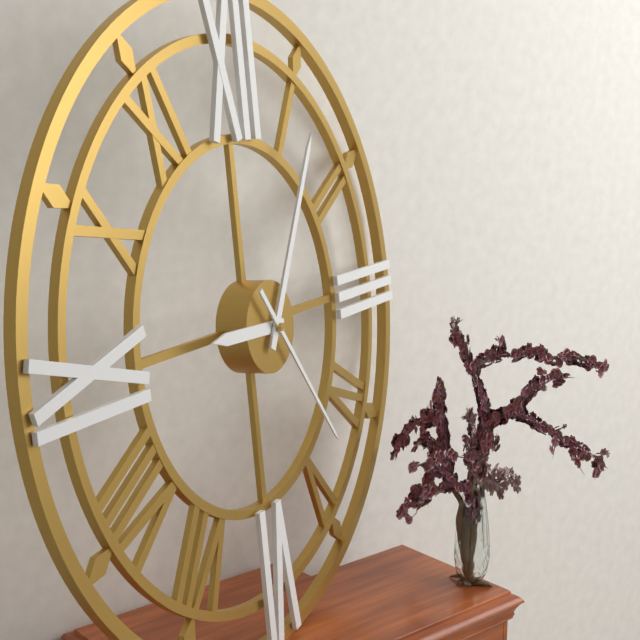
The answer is 9,05,24
